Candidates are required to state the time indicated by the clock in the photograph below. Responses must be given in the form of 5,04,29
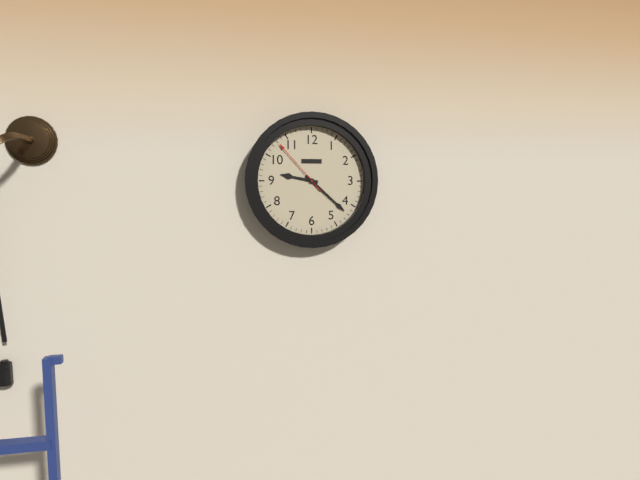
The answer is 9,22,53
